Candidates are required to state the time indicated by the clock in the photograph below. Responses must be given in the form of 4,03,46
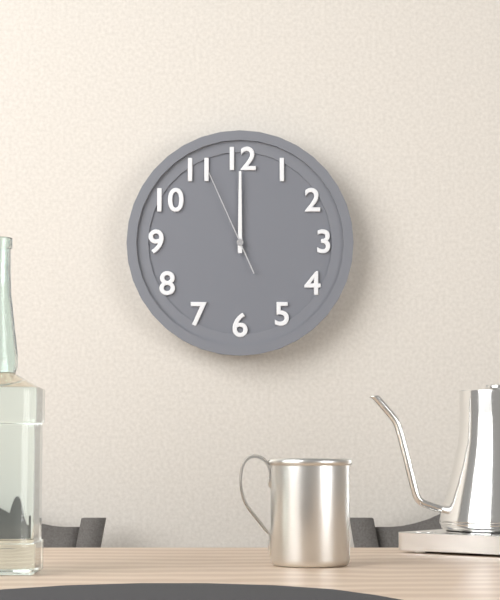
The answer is 12,00,56
